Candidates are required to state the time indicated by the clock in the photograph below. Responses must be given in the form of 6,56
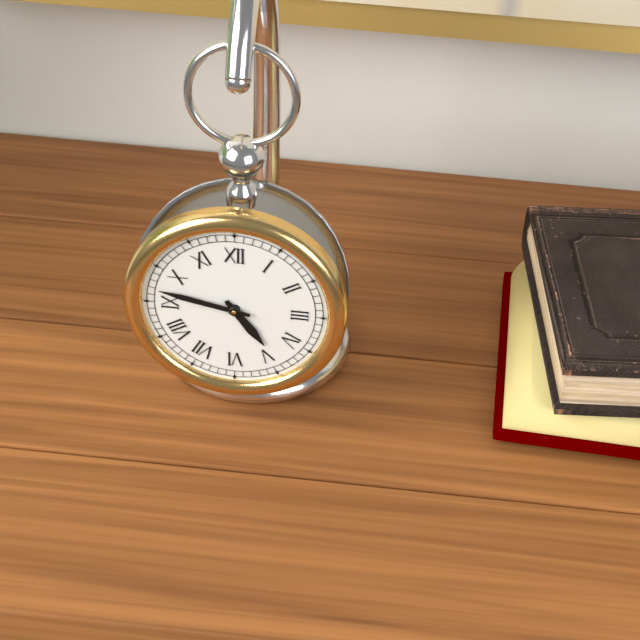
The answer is 4,47
